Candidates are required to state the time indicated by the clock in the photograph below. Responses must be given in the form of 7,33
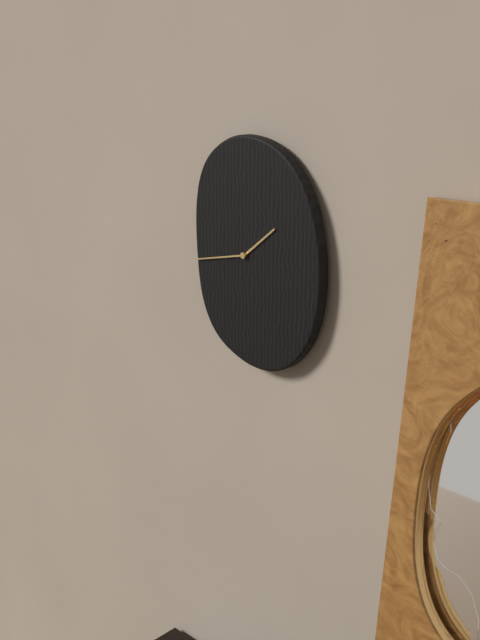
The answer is 1,43
